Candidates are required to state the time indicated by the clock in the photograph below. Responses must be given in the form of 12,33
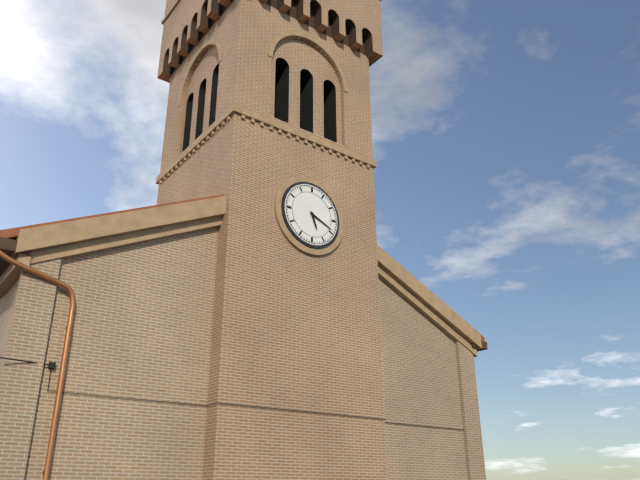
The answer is 5,19
